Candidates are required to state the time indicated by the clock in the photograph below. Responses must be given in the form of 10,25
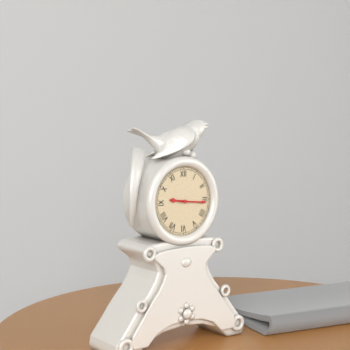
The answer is 9,16
